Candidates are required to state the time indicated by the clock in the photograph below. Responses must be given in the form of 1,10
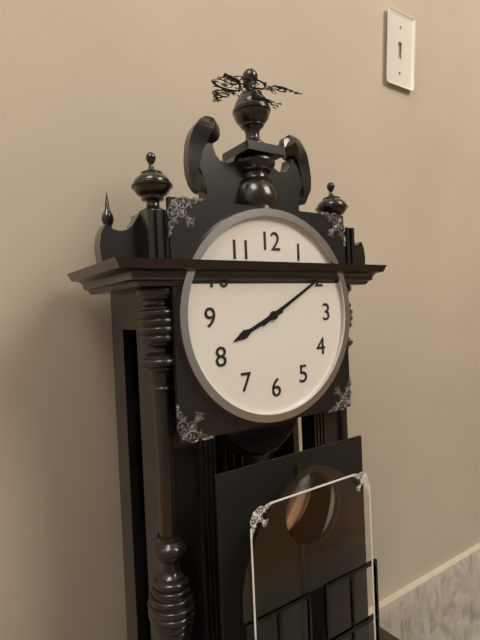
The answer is 8,10
